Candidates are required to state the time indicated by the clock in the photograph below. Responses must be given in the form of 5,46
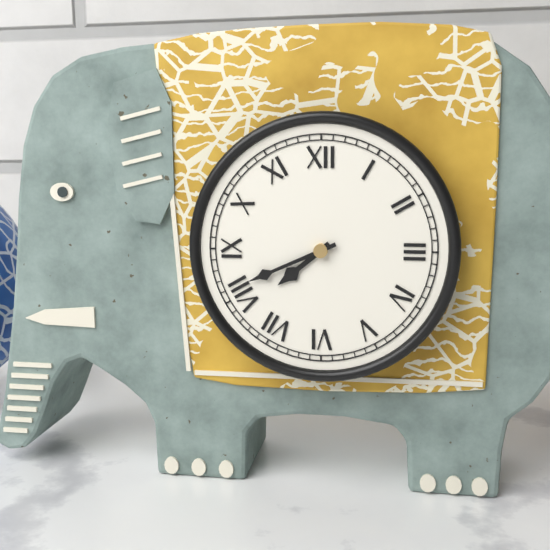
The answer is 7,41
